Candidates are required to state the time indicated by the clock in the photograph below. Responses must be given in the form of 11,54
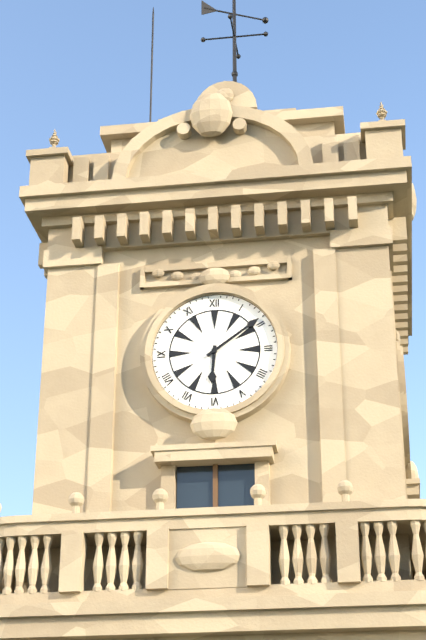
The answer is 6,09
